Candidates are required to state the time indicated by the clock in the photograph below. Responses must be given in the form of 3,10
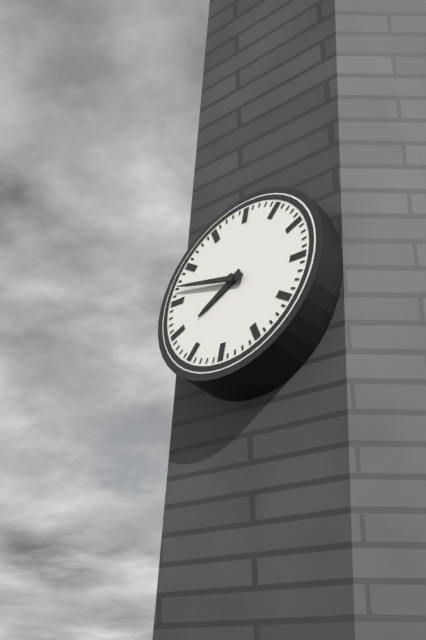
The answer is 7,47
